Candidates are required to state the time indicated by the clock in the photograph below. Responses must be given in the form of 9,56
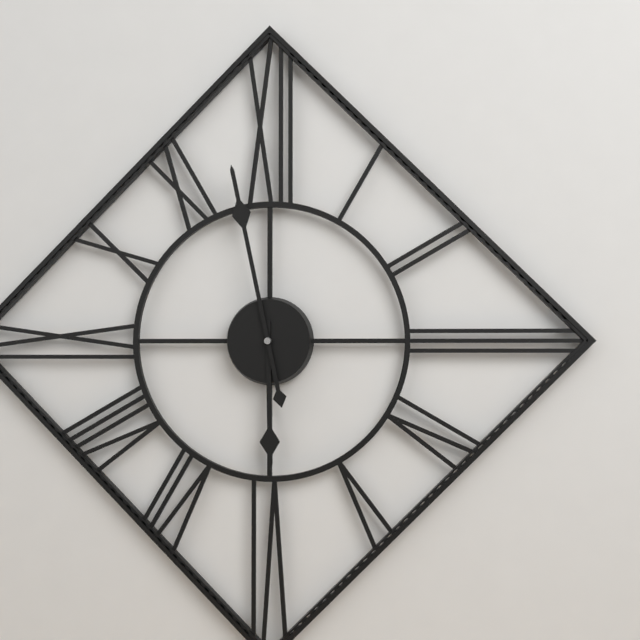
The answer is 5,58
